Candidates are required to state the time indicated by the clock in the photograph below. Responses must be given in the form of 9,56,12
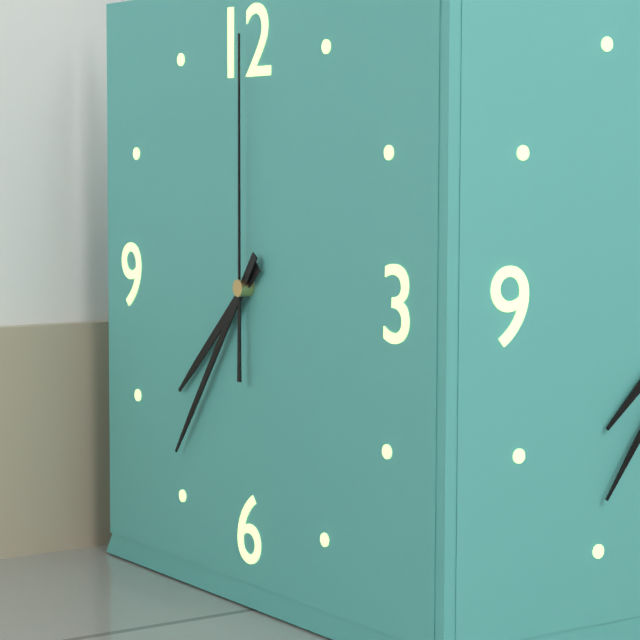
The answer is 7,36,00
